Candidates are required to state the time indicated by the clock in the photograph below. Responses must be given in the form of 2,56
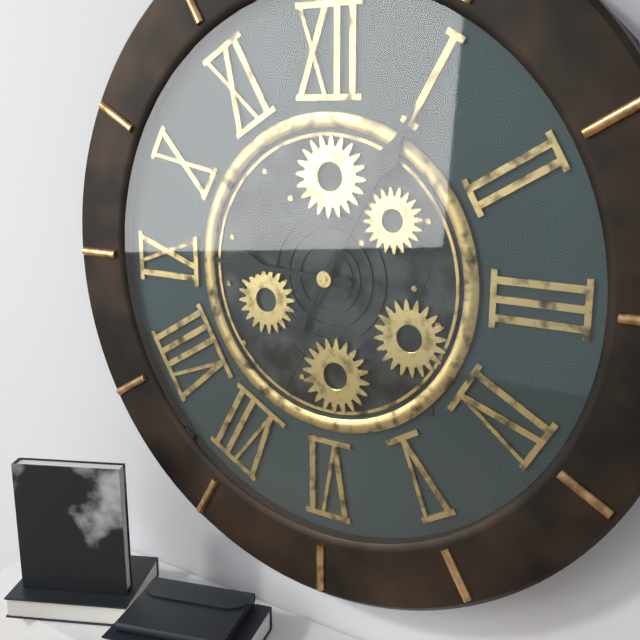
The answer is 9,05
